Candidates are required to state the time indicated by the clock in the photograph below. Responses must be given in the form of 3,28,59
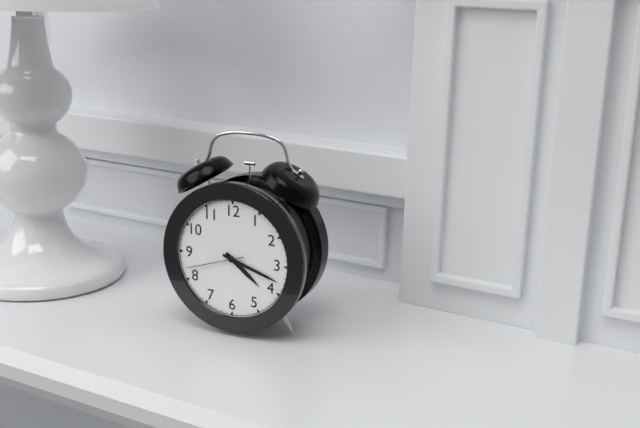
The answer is 4,18,42
